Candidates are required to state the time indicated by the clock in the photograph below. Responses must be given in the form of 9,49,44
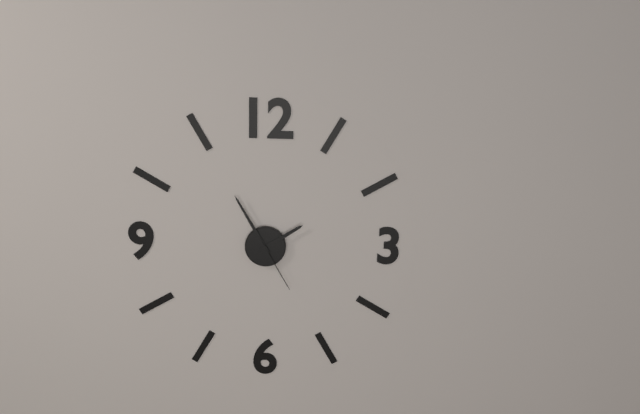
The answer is 1,55,25
